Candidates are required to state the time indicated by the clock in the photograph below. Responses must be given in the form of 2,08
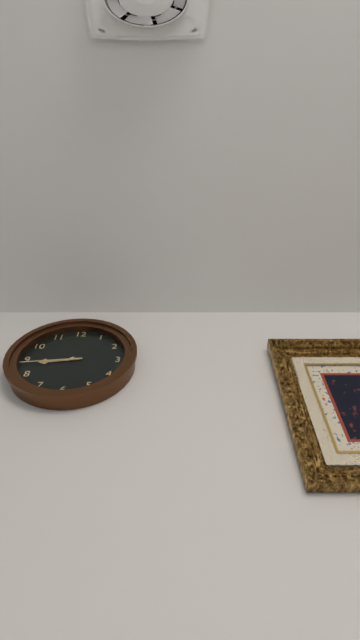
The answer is 8,44
